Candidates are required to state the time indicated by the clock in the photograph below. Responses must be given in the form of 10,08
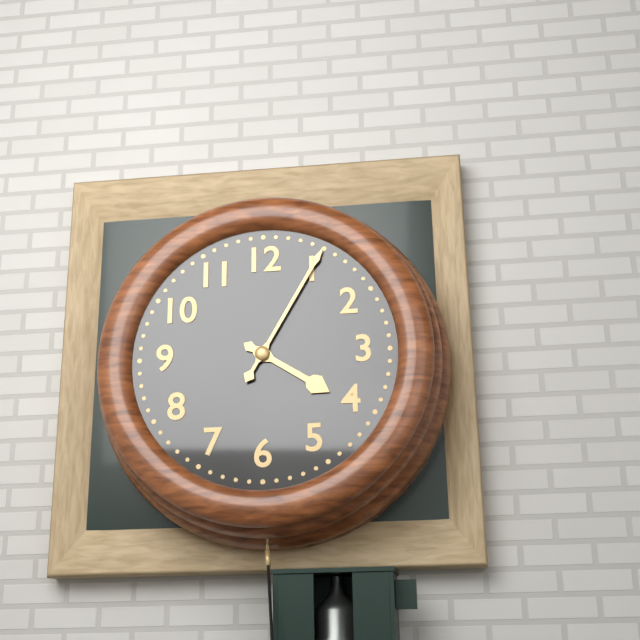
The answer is 4,05
